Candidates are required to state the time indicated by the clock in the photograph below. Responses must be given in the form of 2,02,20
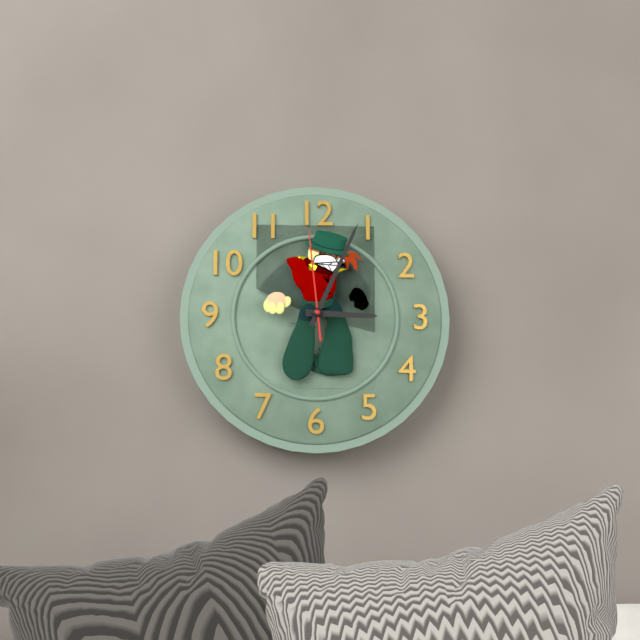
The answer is 3,04,59
